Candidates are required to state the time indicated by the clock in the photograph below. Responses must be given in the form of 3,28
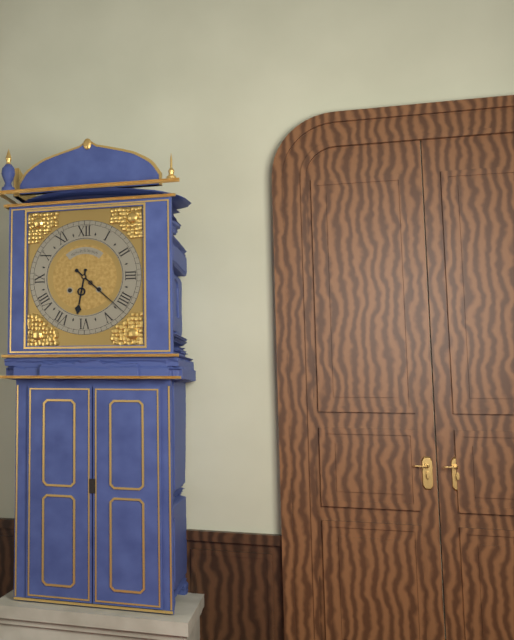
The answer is 6,22
